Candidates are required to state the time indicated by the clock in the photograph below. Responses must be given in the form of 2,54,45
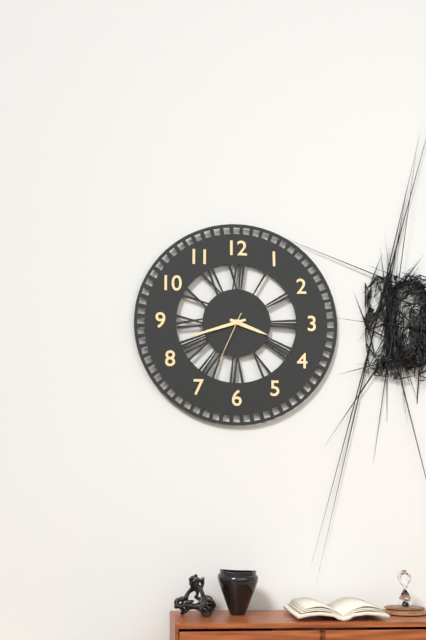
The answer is 3,42,34
